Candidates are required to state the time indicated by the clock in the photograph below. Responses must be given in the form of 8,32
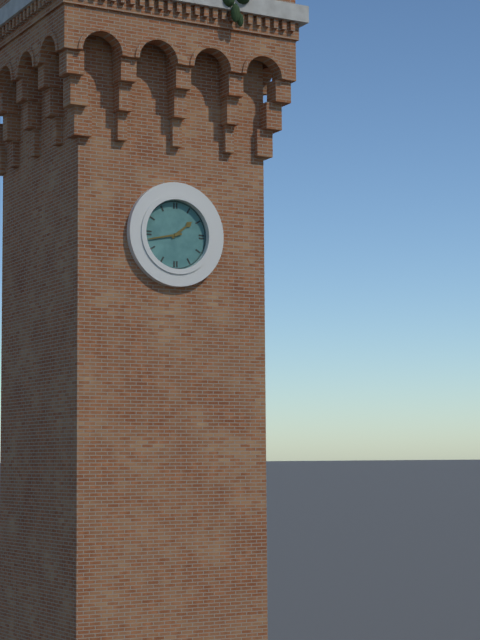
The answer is 1,43
